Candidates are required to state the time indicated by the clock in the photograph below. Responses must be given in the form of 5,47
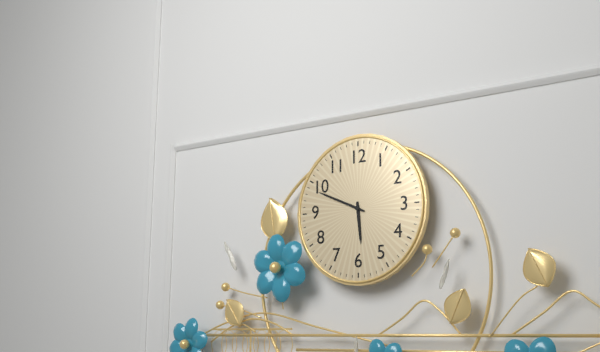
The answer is 5,49
